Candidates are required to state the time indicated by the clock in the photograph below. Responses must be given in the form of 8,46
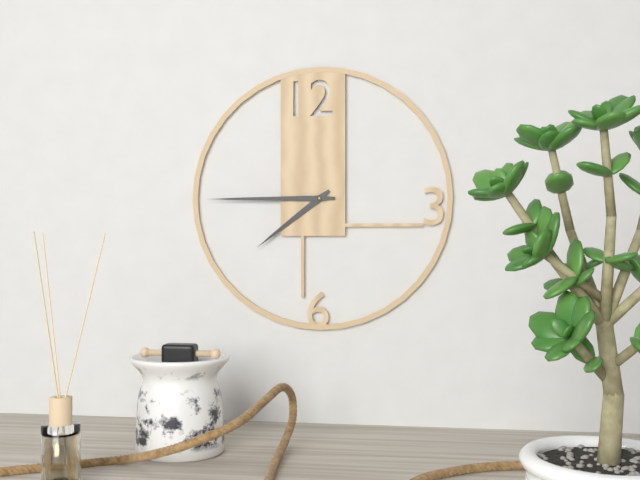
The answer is 7,45
